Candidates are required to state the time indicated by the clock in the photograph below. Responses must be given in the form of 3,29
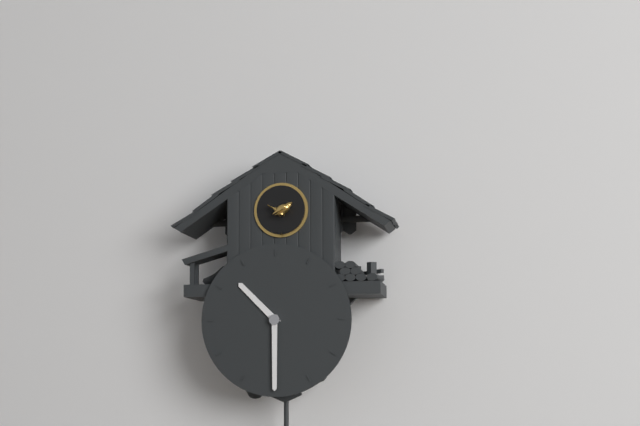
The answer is 10,30
